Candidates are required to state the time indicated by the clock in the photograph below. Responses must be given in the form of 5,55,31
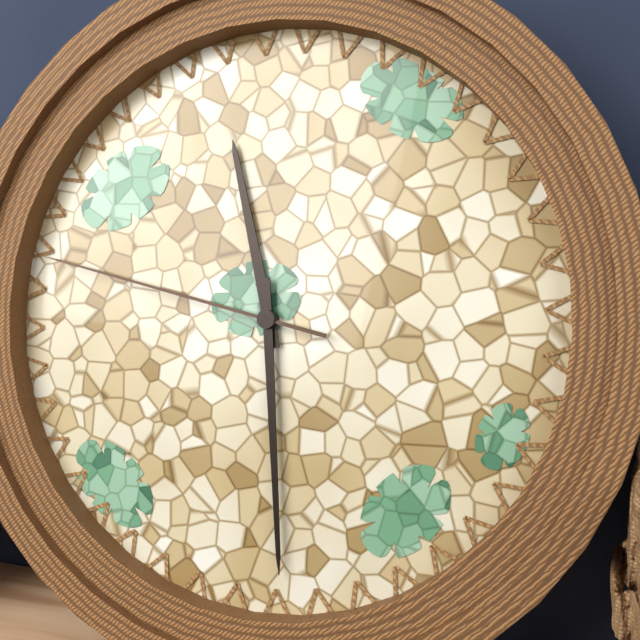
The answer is 11,29,47
